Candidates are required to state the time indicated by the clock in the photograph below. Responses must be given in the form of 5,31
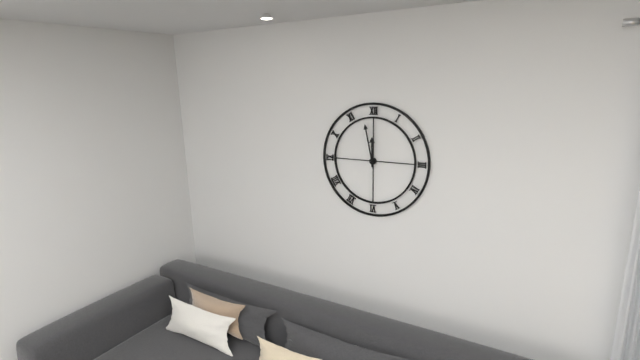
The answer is 11,58
